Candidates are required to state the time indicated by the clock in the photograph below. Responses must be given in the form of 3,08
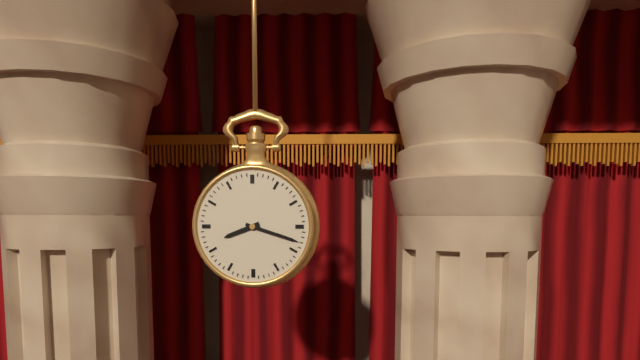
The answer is 8,18
